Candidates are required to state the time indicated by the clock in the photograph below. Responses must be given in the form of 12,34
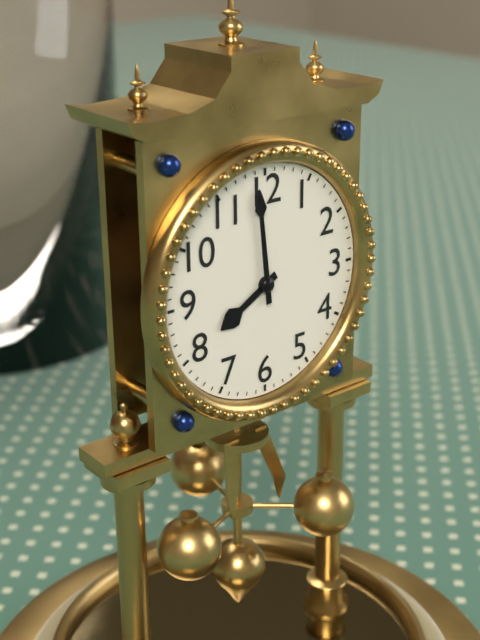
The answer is 7,59
